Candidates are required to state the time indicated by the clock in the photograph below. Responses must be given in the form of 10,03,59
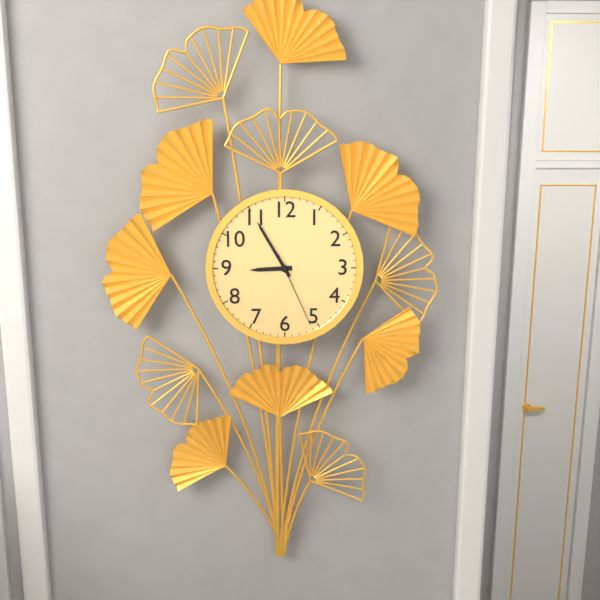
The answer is 8,55,26
